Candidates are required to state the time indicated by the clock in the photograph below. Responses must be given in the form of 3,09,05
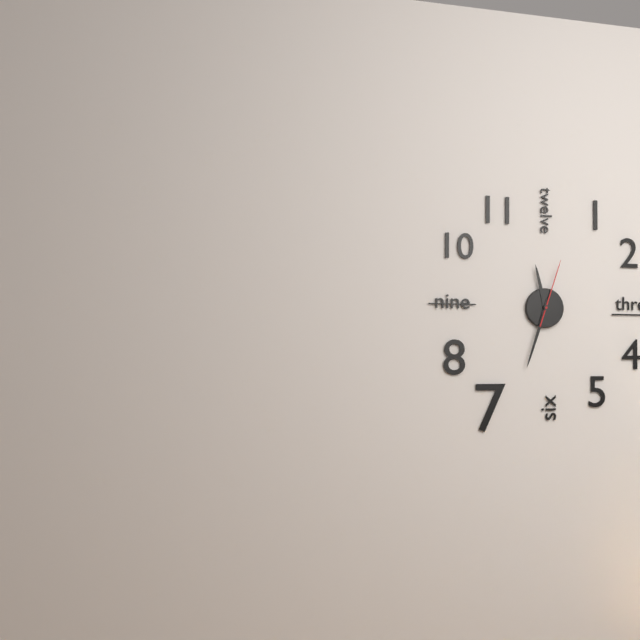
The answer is 11,33,03
